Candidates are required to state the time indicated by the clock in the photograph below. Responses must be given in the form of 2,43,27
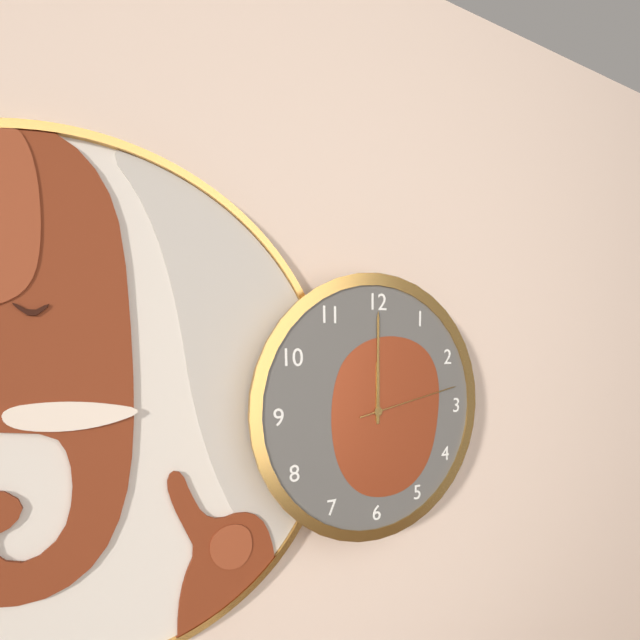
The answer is 12,00,13
